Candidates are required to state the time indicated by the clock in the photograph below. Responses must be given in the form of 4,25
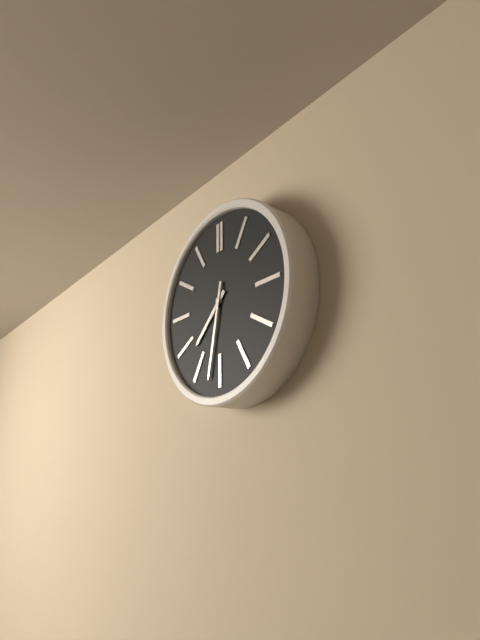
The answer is 7,32
